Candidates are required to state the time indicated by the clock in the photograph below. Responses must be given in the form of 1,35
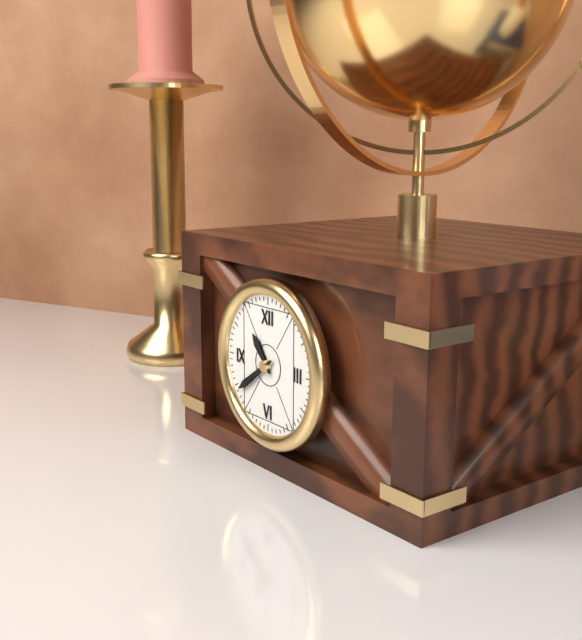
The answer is 10,39
